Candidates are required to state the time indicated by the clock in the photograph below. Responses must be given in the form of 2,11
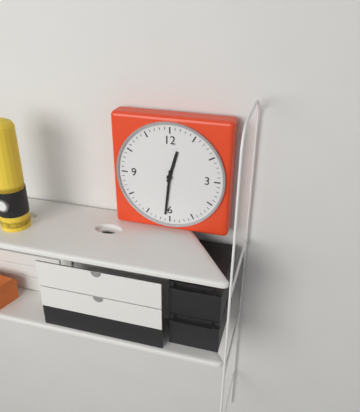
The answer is 12,31
